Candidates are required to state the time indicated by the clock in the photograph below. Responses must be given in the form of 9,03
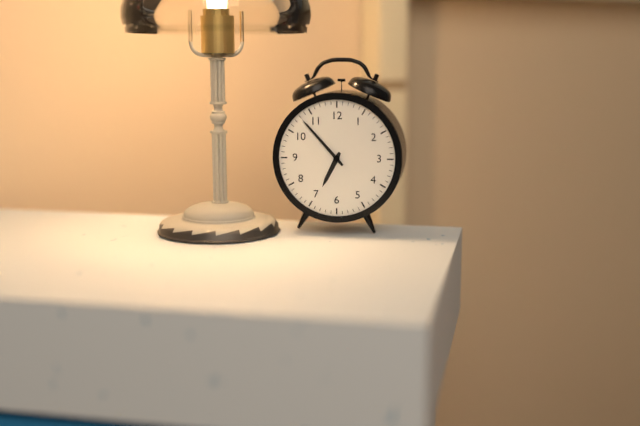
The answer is 6,53
